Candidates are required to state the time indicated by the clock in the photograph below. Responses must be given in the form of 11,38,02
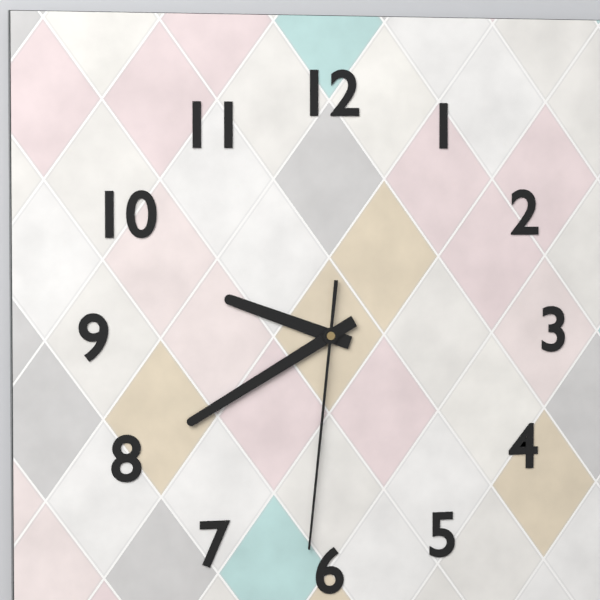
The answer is 9,40,31
